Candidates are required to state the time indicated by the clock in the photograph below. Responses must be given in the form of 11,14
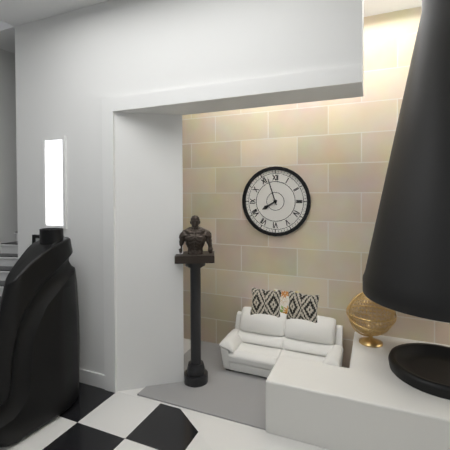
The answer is 7,57
